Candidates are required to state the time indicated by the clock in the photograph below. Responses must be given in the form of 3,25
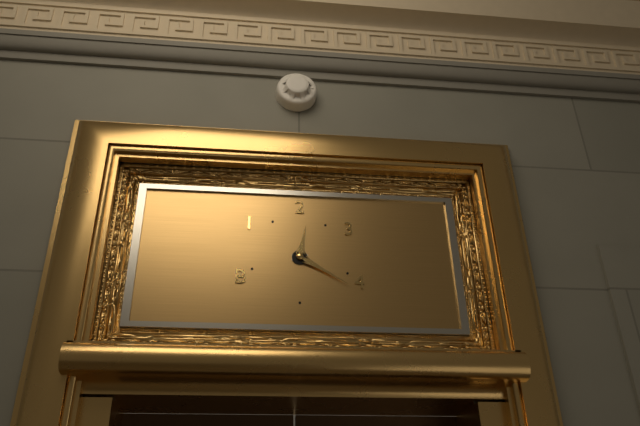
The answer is 12,20
